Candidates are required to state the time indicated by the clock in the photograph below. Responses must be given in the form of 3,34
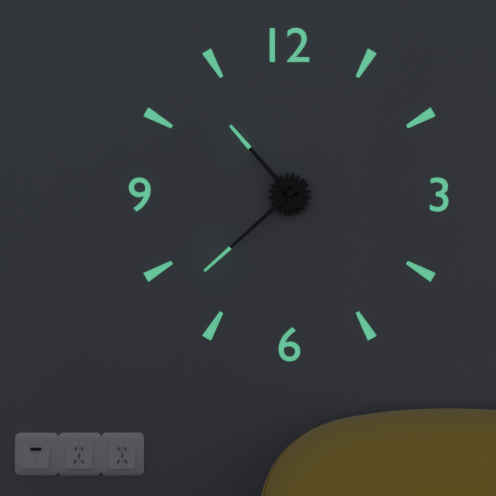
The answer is 10,38
